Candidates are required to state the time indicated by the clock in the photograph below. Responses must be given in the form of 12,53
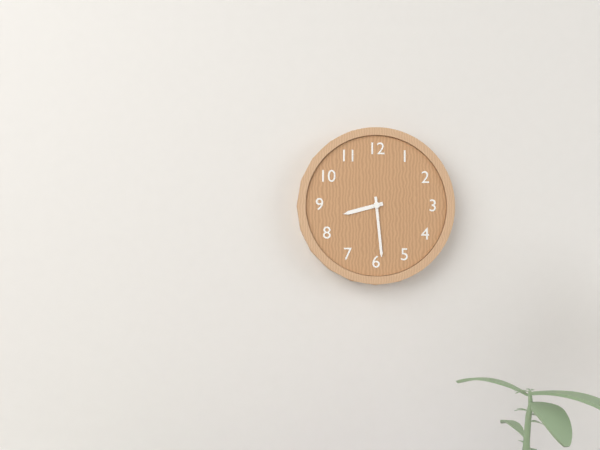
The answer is 8,29
